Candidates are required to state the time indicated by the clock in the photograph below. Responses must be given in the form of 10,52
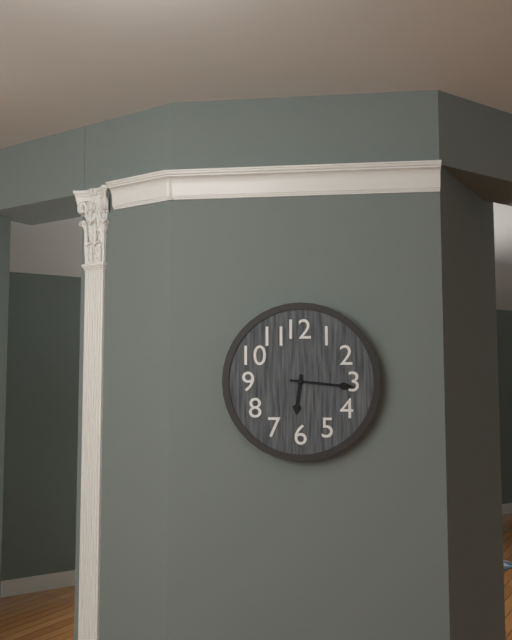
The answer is 6,16
